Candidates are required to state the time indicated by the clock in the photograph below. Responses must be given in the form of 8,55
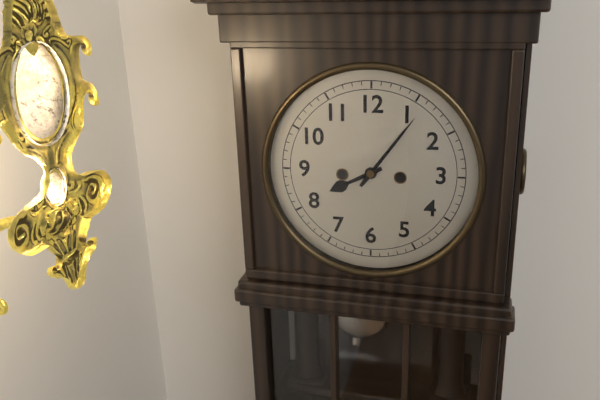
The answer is 8,06
